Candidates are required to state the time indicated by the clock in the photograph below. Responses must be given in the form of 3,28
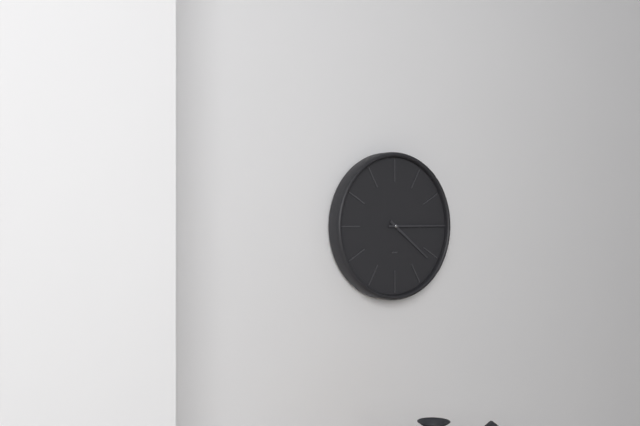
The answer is 4,15
